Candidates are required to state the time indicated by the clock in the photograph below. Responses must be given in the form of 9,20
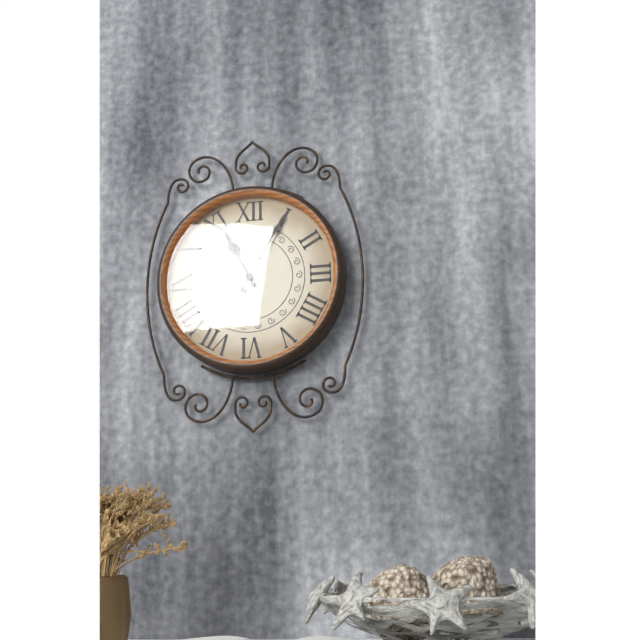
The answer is 11,05
